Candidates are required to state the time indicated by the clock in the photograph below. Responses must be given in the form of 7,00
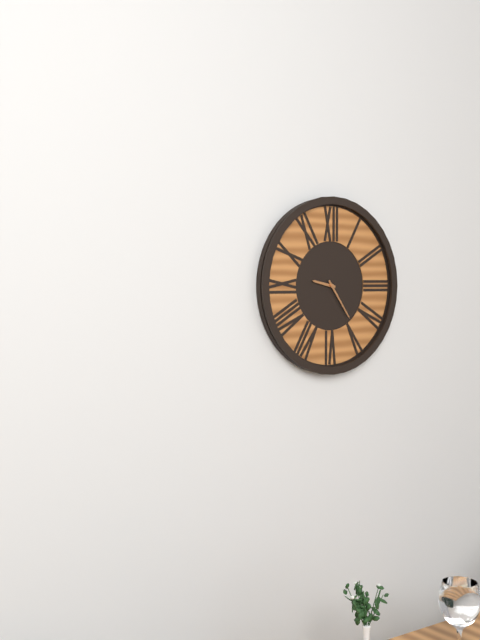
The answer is 9,24
